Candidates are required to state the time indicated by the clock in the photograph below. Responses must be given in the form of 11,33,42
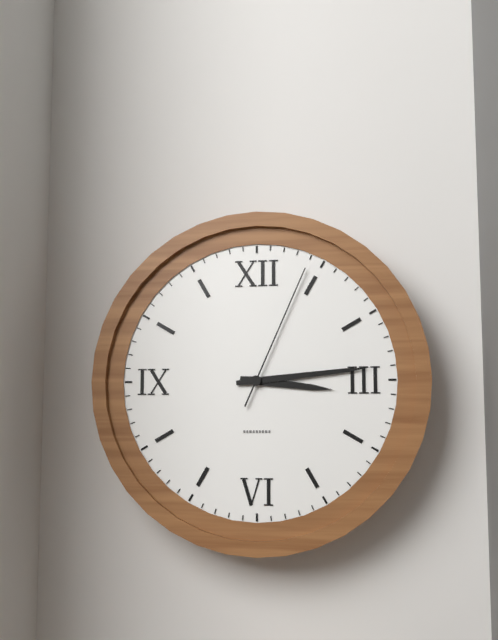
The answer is 3,14,04
